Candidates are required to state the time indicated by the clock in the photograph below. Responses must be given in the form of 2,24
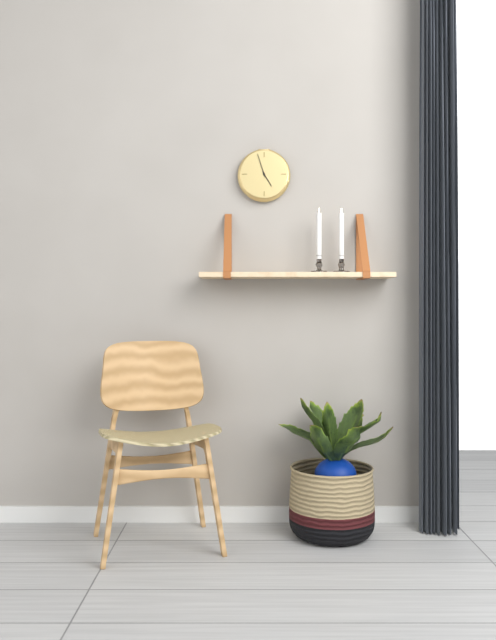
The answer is 4,57
